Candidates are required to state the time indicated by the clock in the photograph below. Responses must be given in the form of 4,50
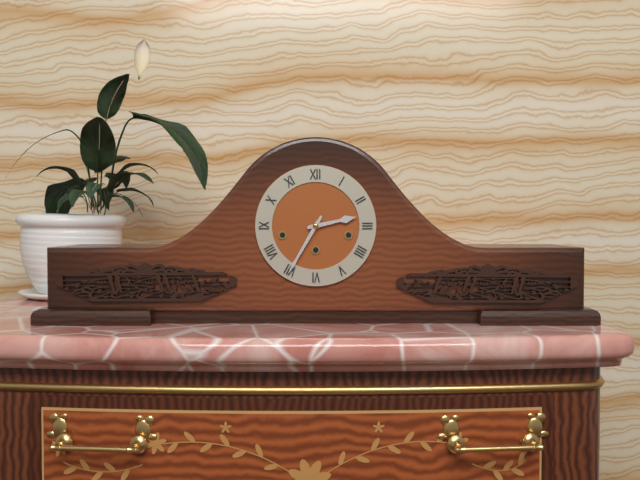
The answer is 2,35
